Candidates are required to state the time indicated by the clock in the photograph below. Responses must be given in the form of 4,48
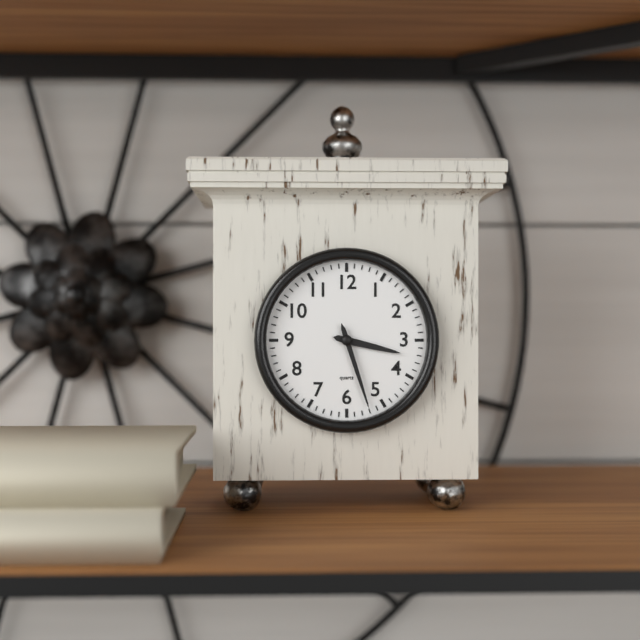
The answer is 3,27
